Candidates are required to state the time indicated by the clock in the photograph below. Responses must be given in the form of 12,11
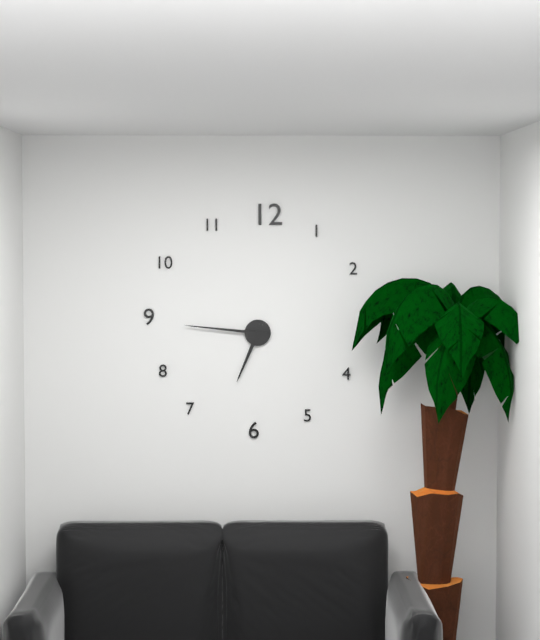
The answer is 6,46
